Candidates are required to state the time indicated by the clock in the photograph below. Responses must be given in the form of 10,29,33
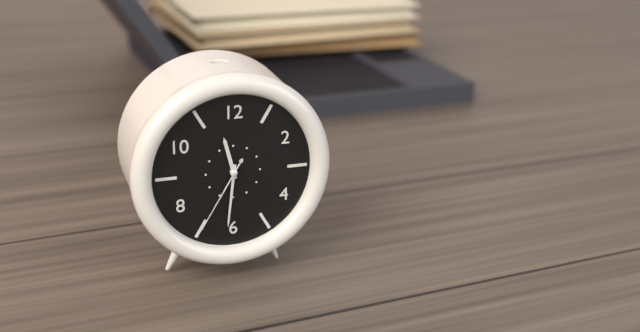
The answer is 11,31,35
